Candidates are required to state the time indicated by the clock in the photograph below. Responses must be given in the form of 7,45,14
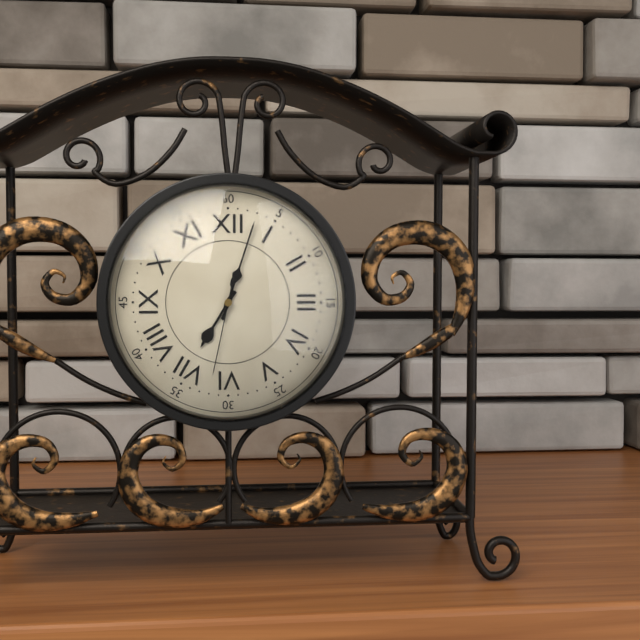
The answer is 7,03,32
